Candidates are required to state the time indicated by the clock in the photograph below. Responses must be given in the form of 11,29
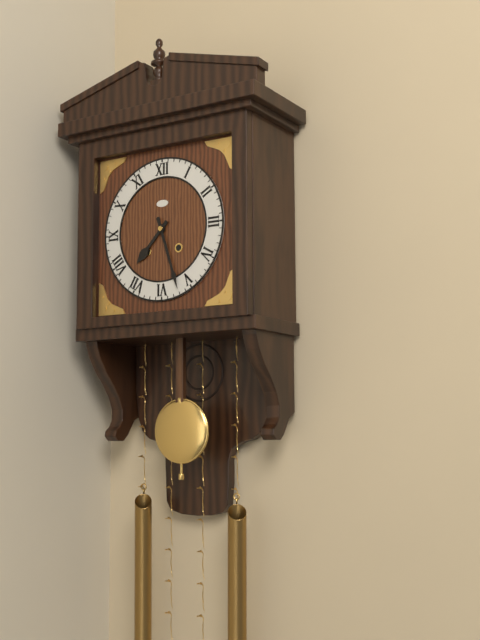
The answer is 7,27
